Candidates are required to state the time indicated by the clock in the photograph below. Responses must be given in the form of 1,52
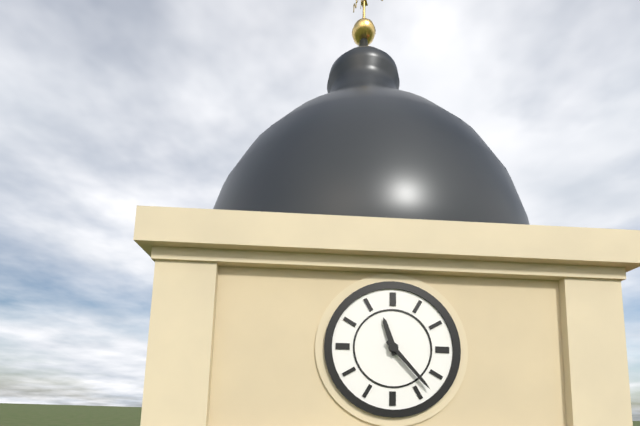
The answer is 11,23
